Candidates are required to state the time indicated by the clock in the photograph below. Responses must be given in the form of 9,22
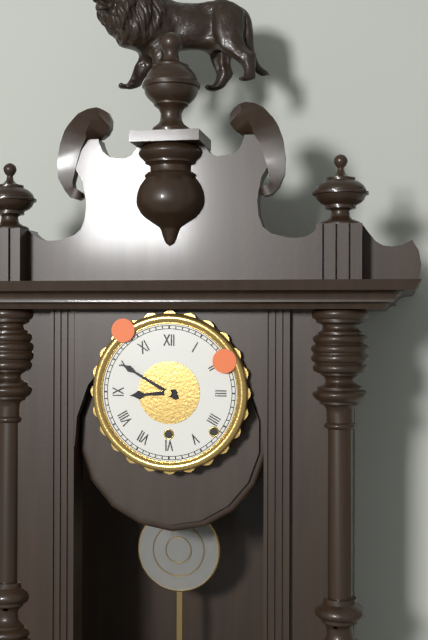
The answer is 8,50
